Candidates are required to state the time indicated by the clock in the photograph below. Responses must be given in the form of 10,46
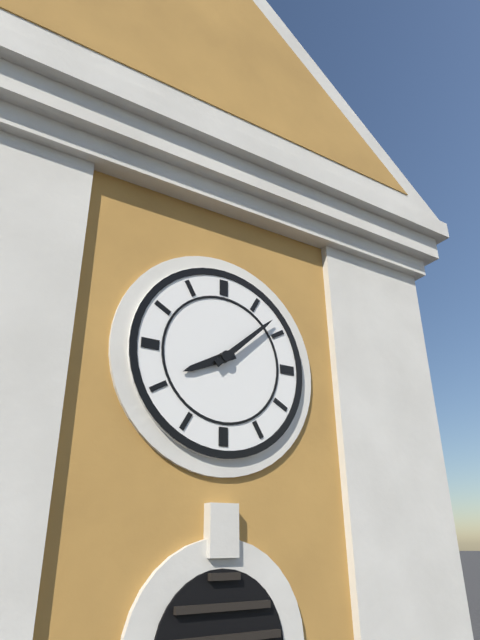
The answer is 8,08
